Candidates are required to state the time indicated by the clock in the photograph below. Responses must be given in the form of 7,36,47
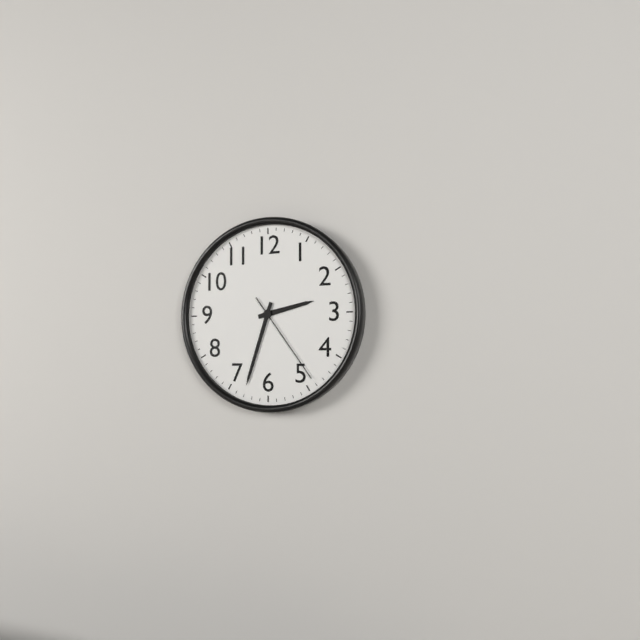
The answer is 2,33,24
